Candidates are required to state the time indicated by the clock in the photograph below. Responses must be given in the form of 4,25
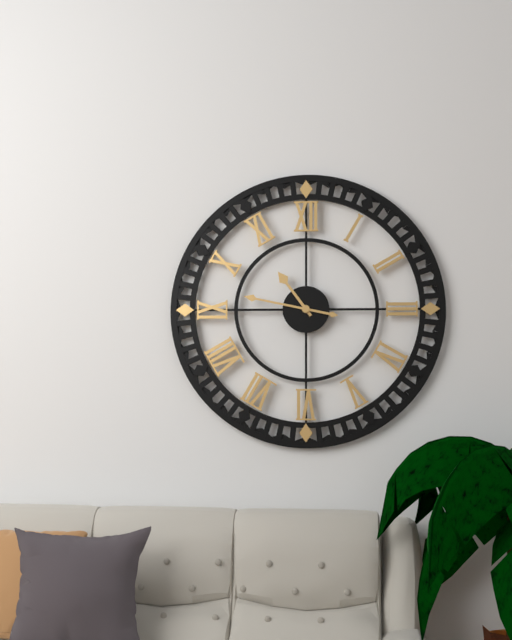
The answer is 10,47
